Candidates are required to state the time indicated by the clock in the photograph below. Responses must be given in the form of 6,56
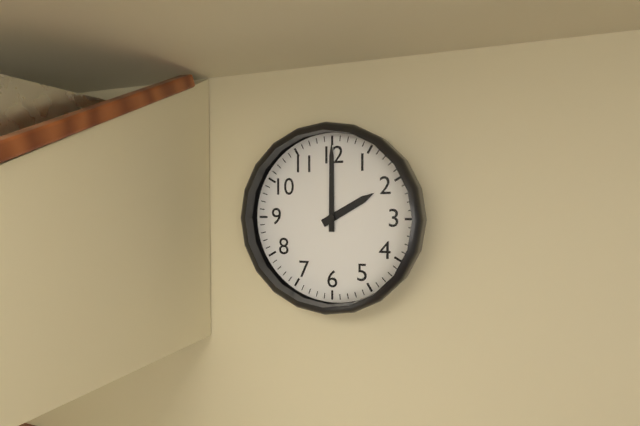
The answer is 2,00
